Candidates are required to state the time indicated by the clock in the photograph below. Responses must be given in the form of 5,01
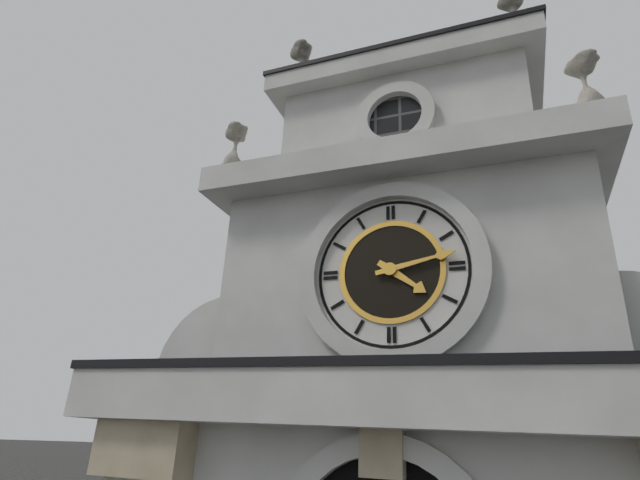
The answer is 4,13
